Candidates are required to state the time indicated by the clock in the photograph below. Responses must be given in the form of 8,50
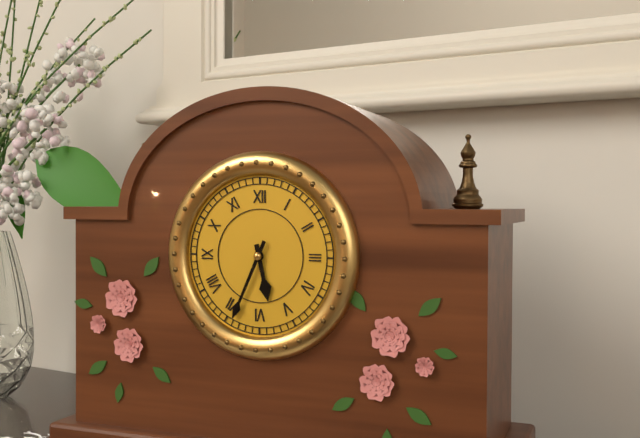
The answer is 5,34
